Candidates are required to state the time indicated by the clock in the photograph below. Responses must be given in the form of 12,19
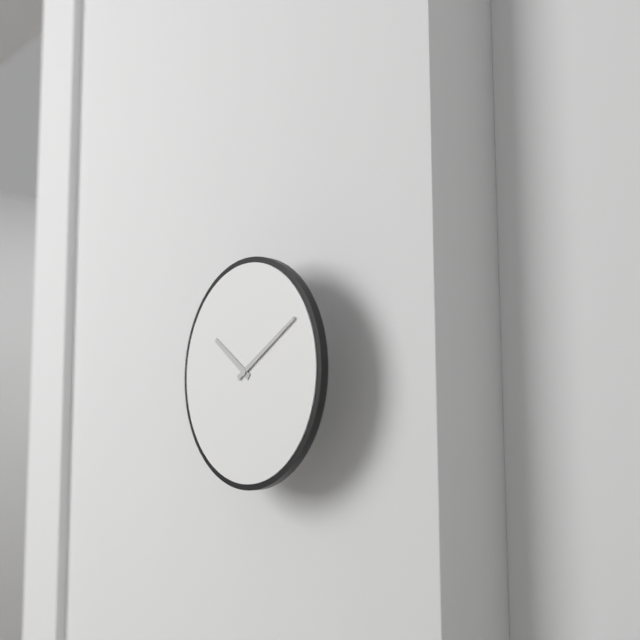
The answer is 10,10
